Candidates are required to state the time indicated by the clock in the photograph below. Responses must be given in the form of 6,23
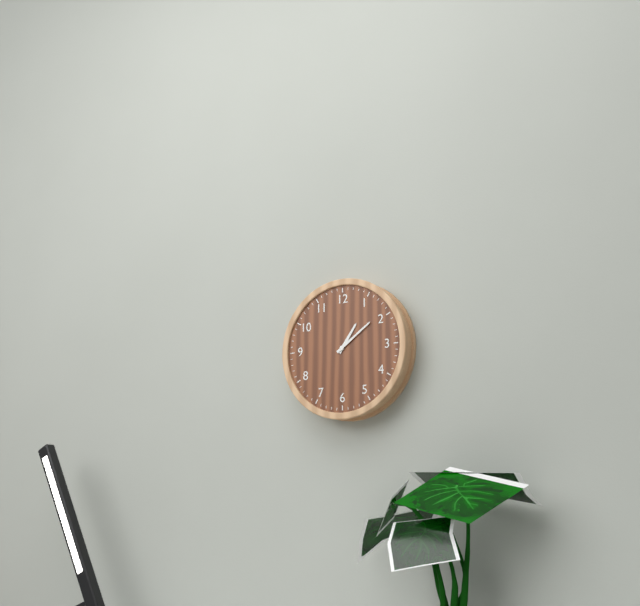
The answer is 1,09
